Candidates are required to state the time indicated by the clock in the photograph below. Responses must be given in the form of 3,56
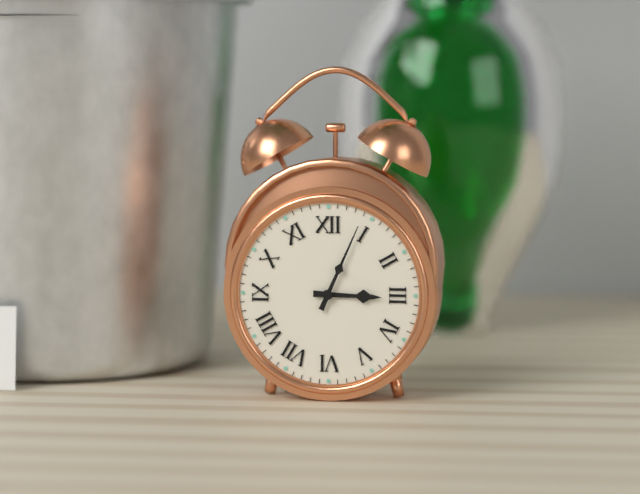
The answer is 3,04
